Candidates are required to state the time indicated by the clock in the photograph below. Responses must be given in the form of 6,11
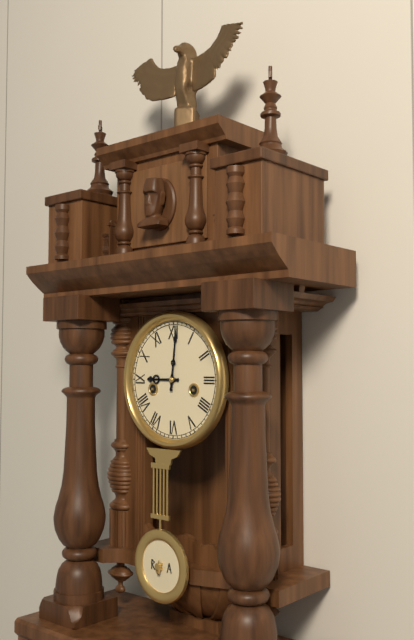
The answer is 9,01
